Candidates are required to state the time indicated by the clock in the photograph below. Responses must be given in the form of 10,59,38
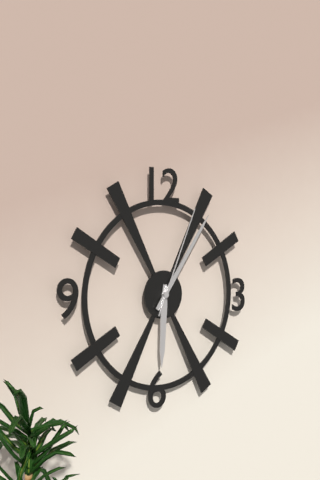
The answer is 6,06,04
